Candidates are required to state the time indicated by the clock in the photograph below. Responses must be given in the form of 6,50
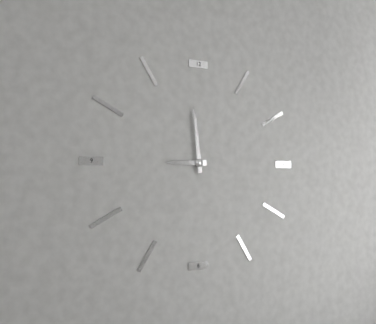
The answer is 8,59
